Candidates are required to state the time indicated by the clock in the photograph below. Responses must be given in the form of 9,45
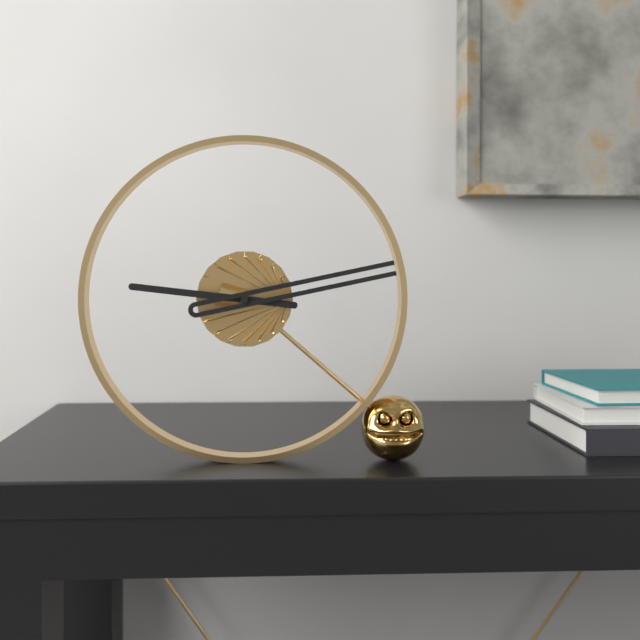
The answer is 9,13
